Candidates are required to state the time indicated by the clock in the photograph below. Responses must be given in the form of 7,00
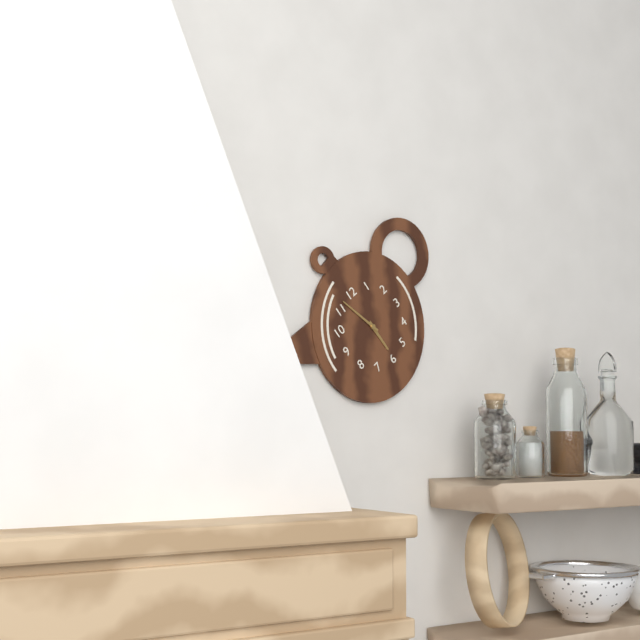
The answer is 5,57
